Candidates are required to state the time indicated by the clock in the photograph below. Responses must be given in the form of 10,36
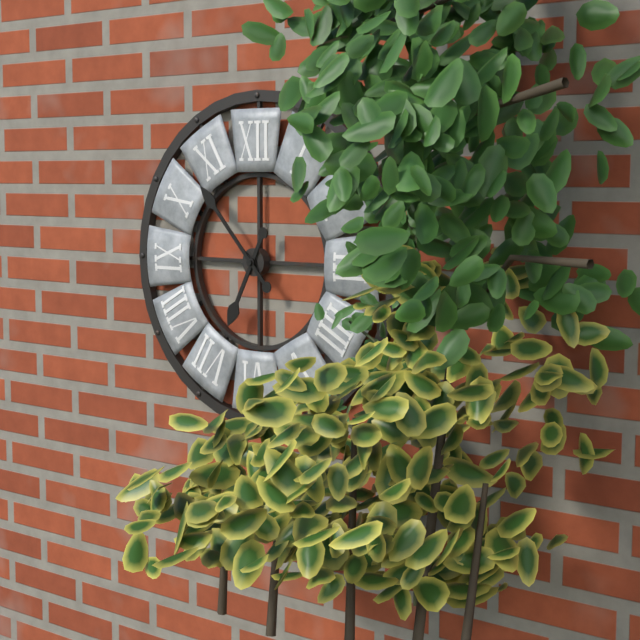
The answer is 6,53
